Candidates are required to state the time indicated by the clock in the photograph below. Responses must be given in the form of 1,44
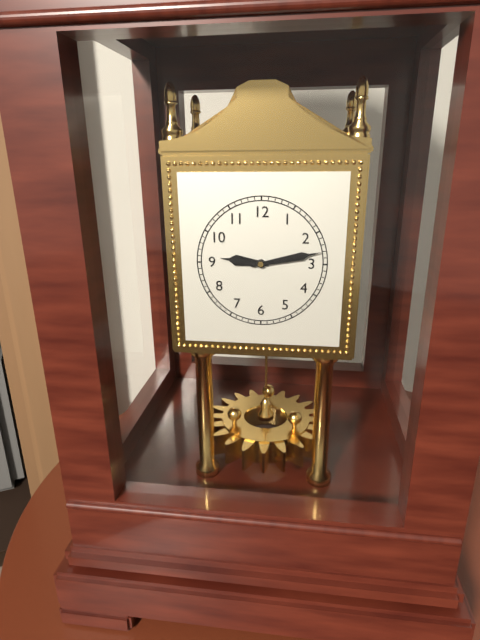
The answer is 9,13
